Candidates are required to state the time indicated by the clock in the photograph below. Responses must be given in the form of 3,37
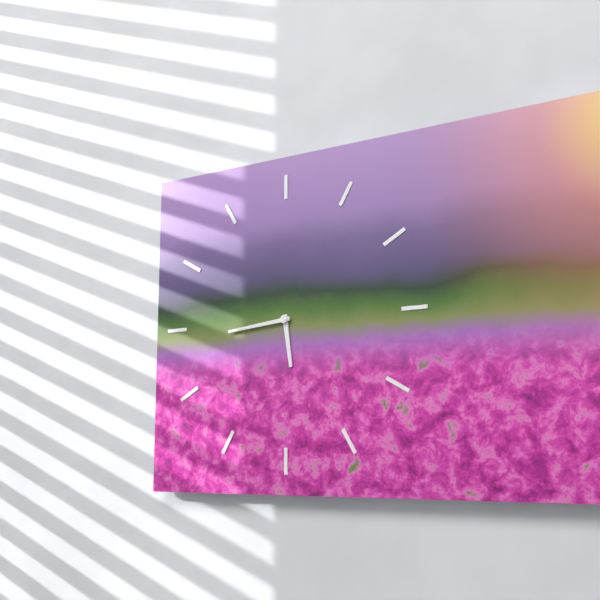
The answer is 5,44
